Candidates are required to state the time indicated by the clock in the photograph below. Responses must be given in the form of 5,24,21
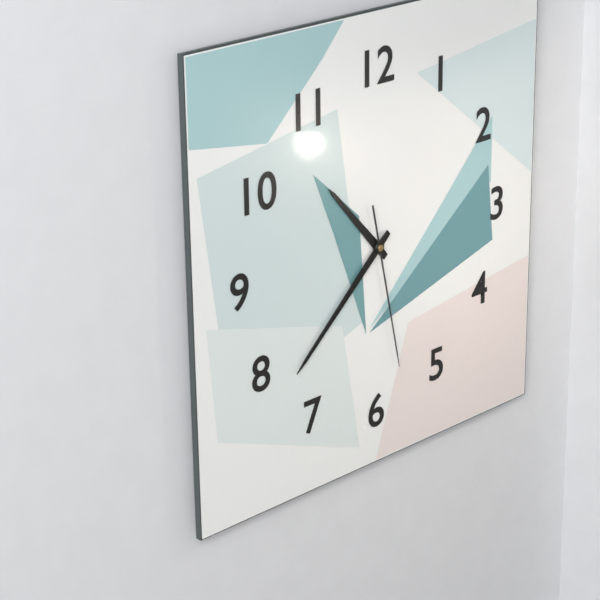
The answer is 10,38,28
